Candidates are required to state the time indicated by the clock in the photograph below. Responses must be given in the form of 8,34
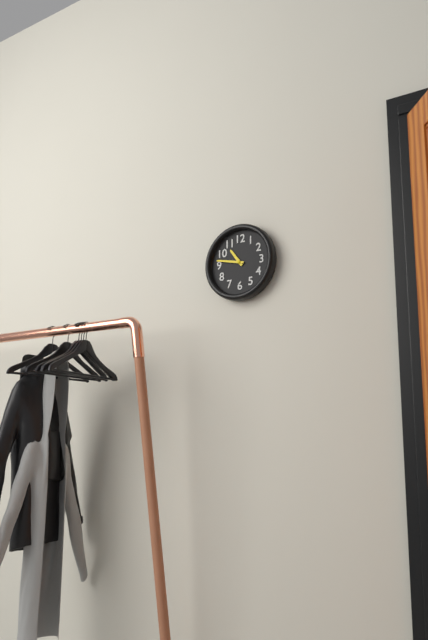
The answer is 10,47
